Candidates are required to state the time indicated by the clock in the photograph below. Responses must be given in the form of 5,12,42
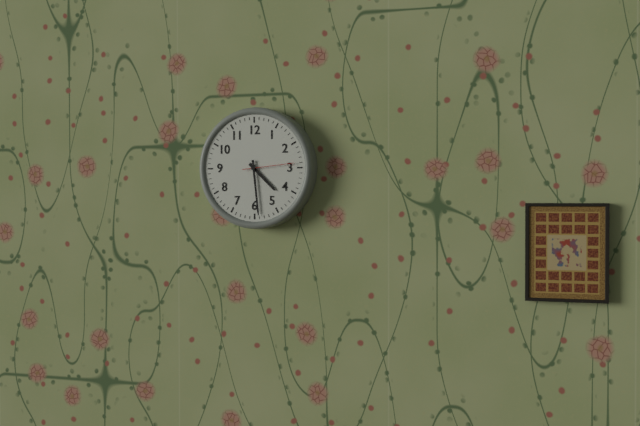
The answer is 4,29,14
